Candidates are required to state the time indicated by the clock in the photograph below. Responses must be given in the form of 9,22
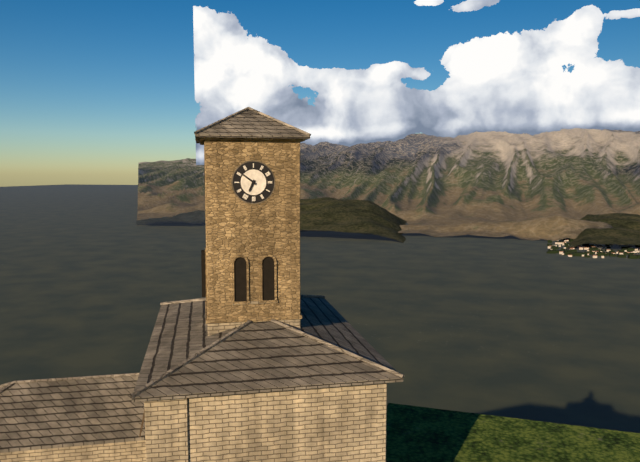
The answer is 6,51
